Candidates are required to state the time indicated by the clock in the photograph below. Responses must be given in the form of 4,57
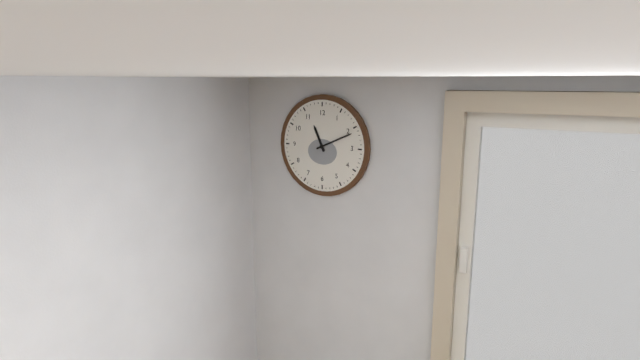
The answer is 11,11
